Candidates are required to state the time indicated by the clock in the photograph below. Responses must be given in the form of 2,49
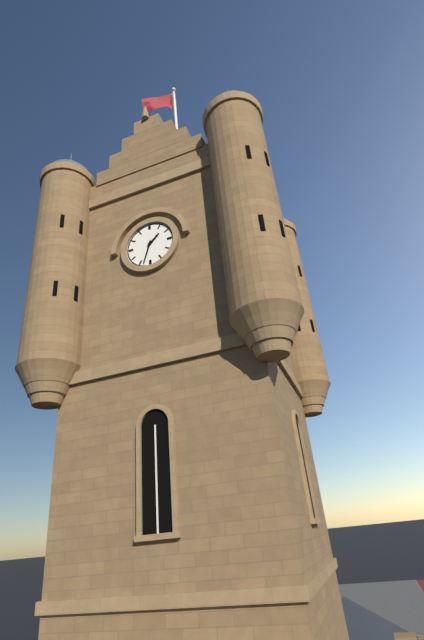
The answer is 1,33
